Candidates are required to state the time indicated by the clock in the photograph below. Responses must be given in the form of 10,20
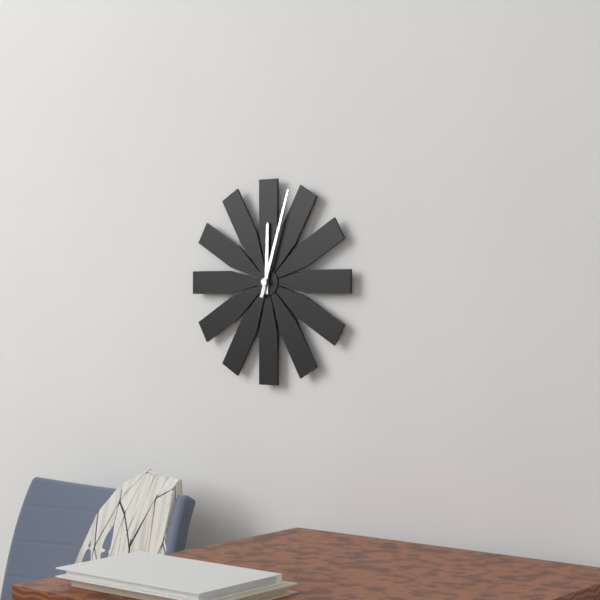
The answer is 12,03
